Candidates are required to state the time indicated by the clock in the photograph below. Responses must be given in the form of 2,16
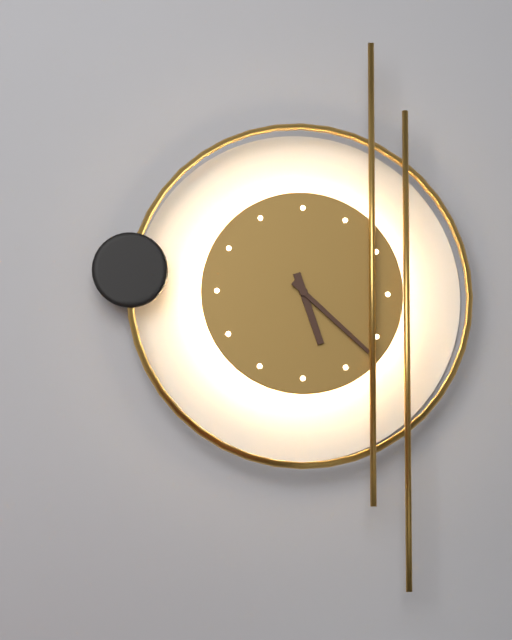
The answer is 5,22
